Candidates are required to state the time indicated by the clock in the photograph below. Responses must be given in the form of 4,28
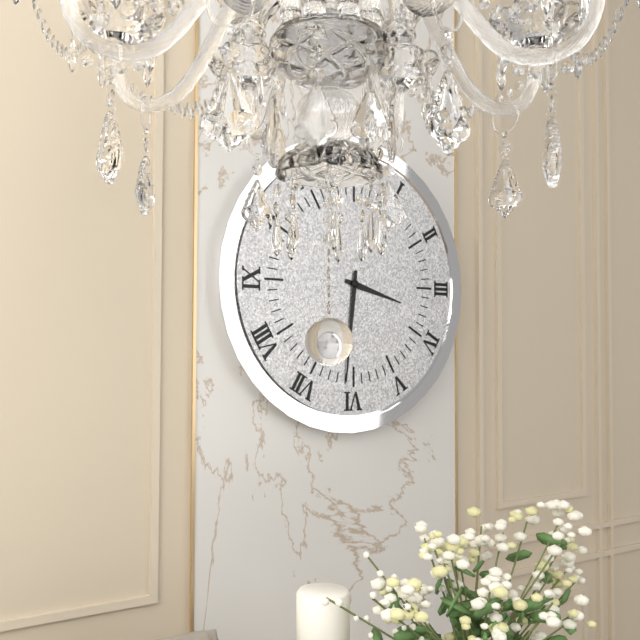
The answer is 3,31
